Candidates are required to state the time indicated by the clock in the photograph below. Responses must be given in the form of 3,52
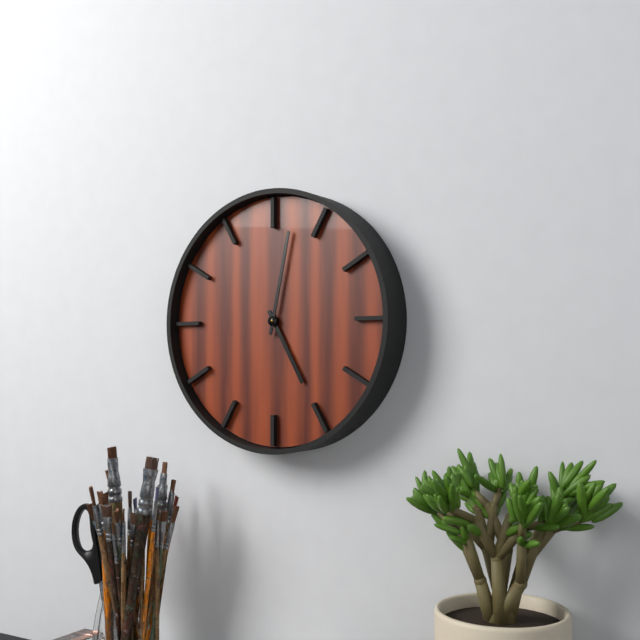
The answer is 5,02
